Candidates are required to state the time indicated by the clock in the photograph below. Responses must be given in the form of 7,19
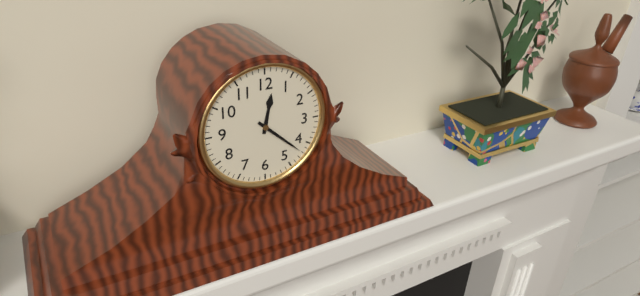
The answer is 12,22
